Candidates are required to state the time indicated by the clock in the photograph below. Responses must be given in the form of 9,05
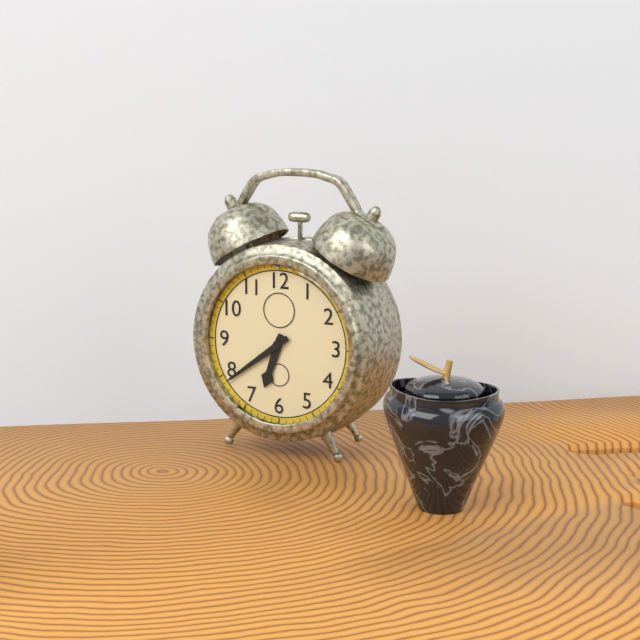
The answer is 6,39
